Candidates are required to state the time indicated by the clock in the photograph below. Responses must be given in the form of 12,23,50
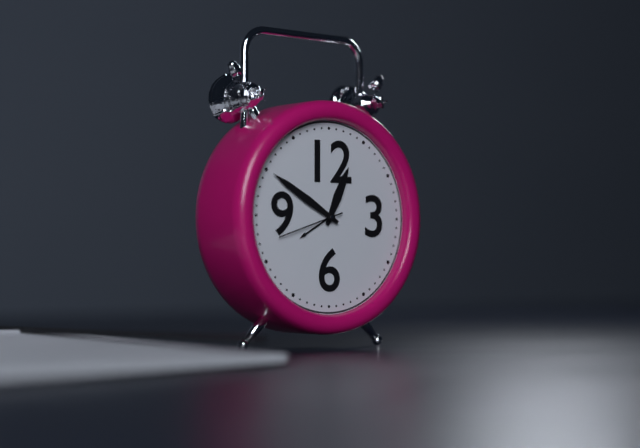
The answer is 12,50,42
